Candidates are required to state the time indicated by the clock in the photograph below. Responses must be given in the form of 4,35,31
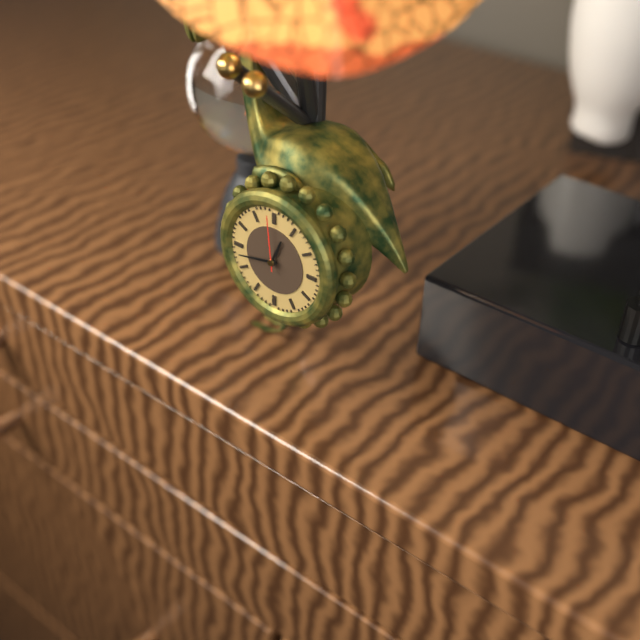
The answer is 12,43,59
